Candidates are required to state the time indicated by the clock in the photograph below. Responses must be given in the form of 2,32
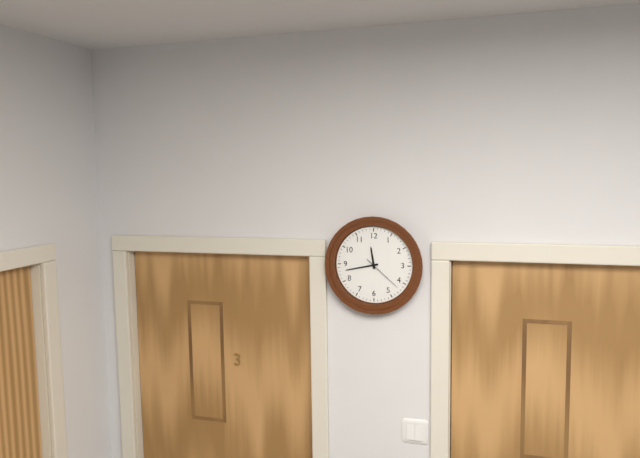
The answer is 11,43
